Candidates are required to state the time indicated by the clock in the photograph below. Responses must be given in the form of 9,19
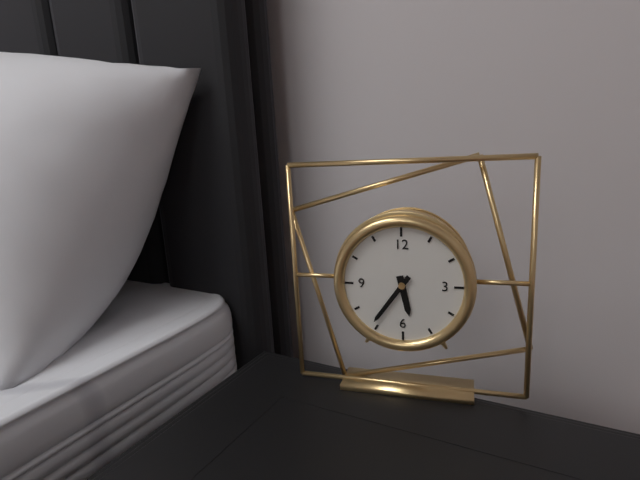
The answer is 5,36
